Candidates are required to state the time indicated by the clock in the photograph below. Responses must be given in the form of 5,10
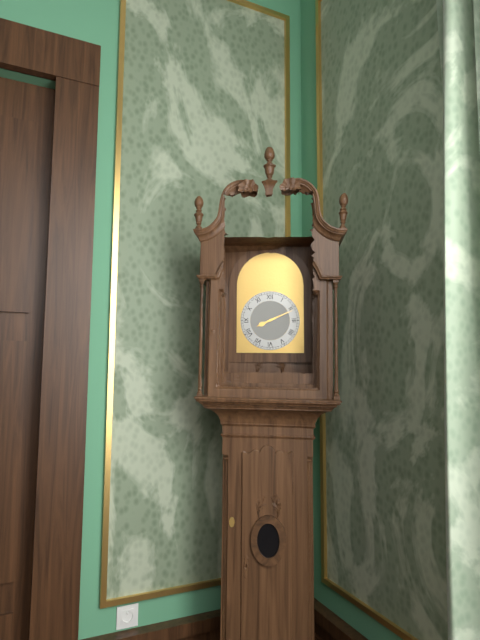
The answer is 8,11
